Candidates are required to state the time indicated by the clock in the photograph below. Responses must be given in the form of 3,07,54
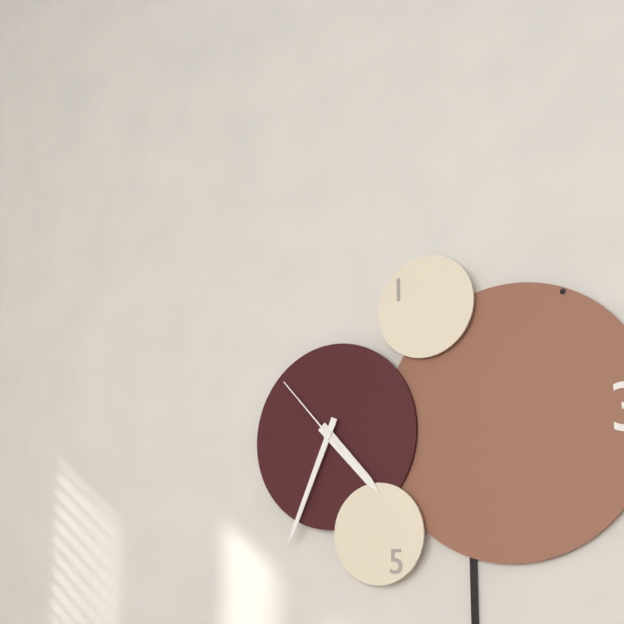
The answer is 4,34,53
